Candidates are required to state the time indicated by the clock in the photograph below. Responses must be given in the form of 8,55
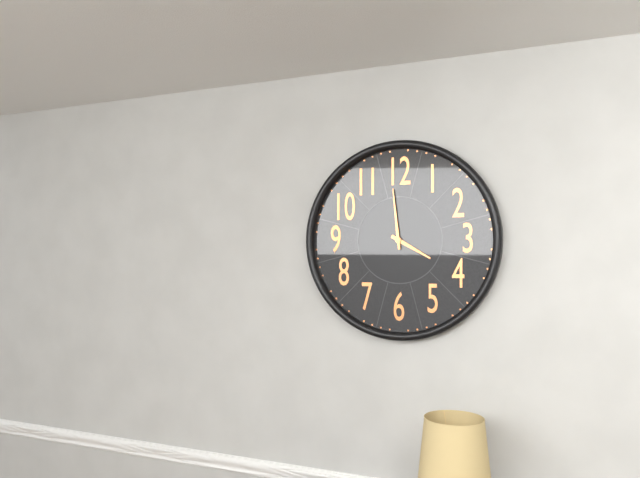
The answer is 3,59
